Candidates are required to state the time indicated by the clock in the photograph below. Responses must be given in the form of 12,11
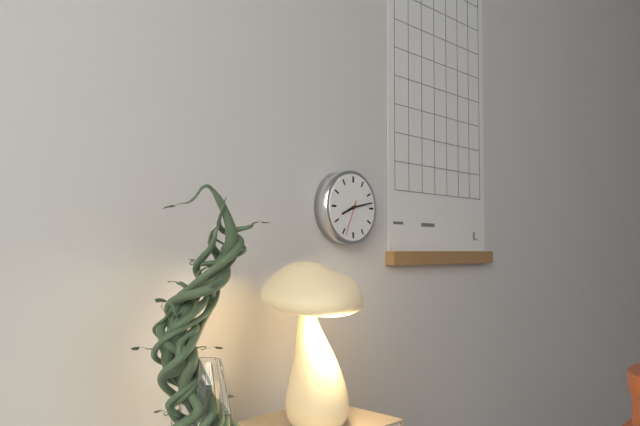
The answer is 8,13
